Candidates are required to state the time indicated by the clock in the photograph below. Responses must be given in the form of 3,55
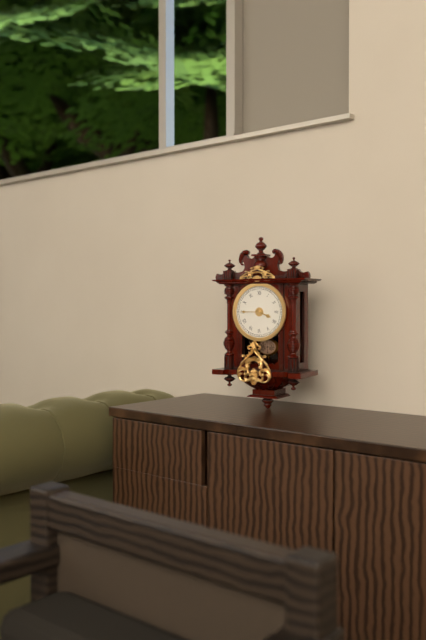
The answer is 3,45
